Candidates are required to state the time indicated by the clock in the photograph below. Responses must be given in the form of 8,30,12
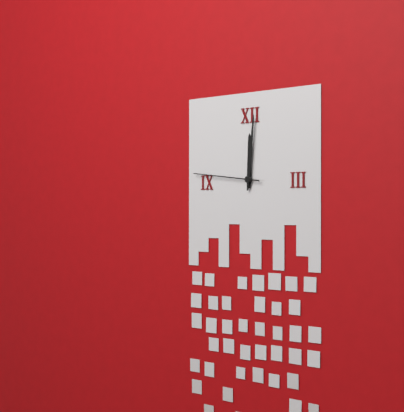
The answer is 12,01,46
